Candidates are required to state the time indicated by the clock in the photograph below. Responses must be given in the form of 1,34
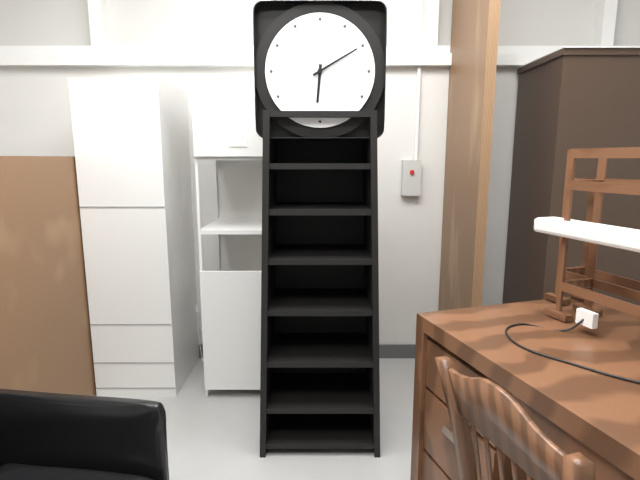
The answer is 6,10
